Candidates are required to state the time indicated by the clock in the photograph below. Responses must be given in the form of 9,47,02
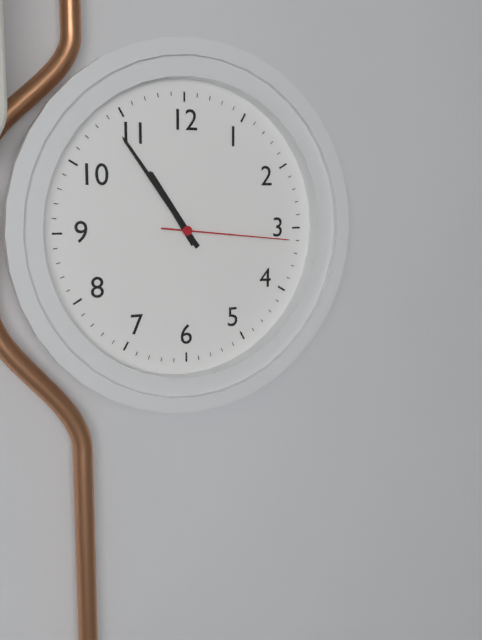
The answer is 10,54,16
